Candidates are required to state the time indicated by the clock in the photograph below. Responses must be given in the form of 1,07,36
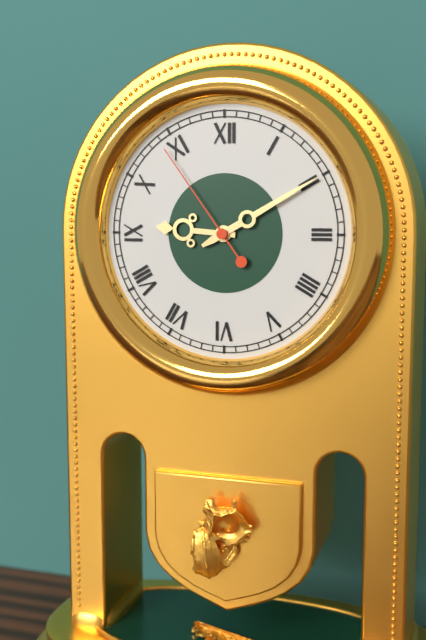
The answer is 9,10,54
